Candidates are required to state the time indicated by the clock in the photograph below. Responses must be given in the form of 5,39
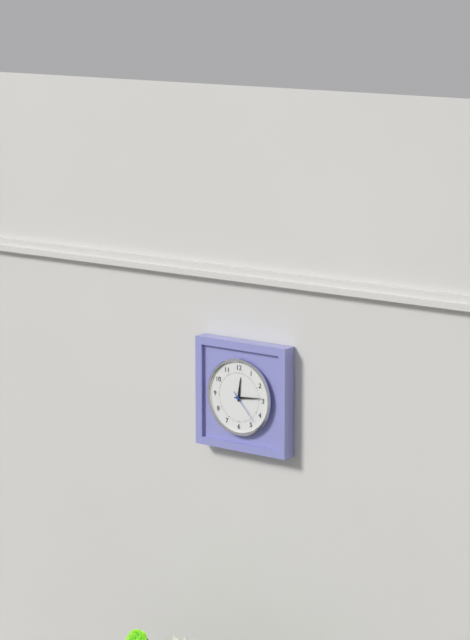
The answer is 12,14
